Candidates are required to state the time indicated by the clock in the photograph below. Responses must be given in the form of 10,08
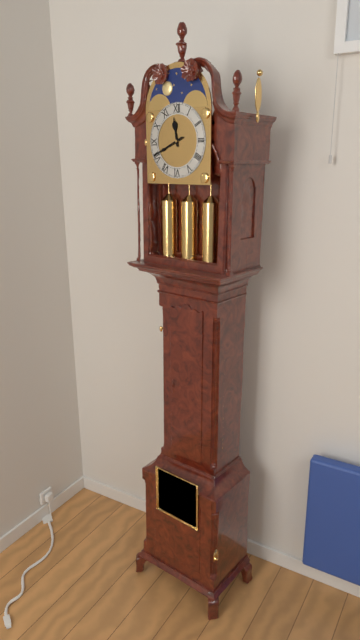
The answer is 11,41
